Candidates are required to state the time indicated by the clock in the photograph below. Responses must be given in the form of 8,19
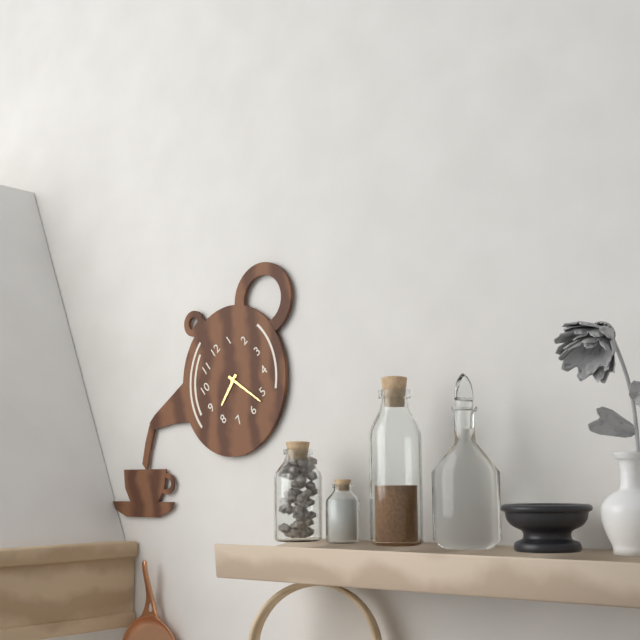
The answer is 8,27
